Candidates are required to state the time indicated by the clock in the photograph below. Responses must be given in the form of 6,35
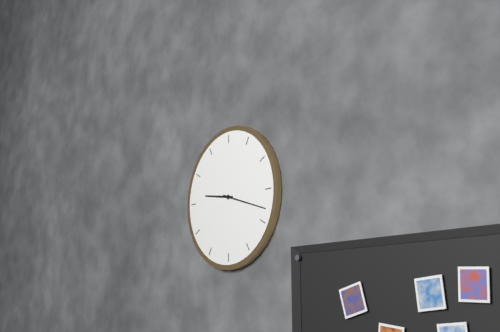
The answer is 9,18
